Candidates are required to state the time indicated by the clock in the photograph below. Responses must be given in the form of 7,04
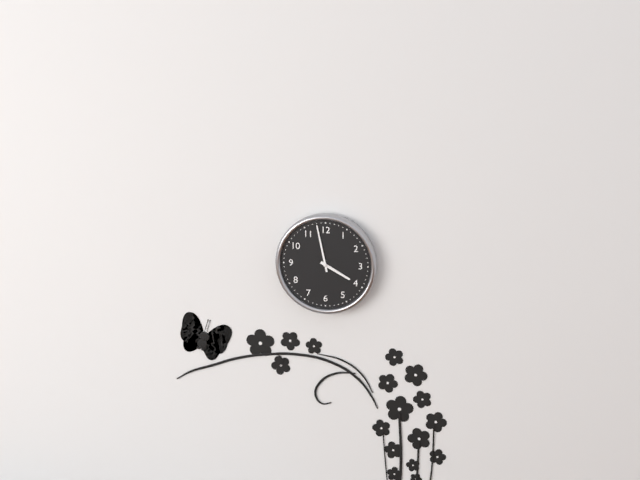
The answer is 3,58
